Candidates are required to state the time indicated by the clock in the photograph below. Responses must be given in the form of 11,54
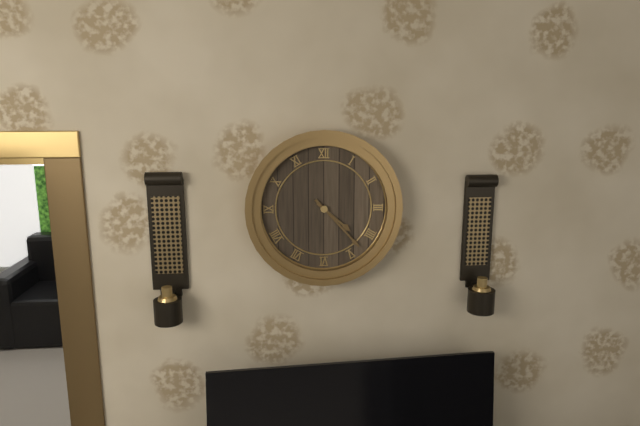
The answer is 4,23
